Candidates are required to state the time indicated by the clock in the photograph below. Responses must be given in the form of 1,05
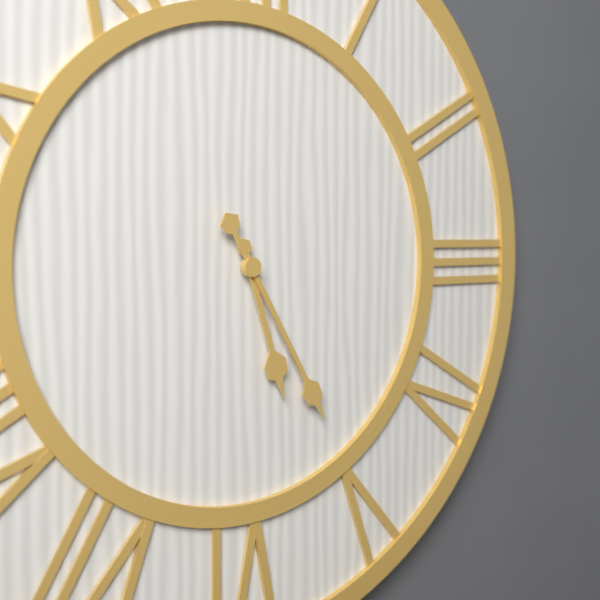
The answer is 5,25
